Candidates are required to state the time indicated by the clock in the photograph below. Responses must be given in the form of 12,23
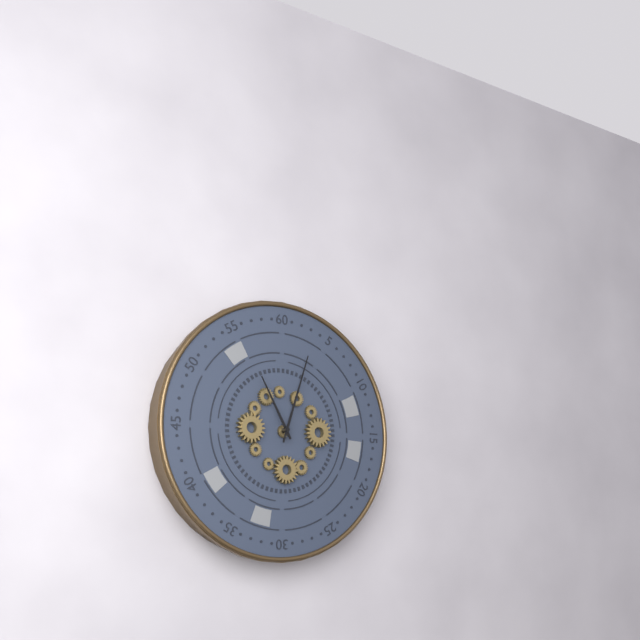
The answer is 11,03
